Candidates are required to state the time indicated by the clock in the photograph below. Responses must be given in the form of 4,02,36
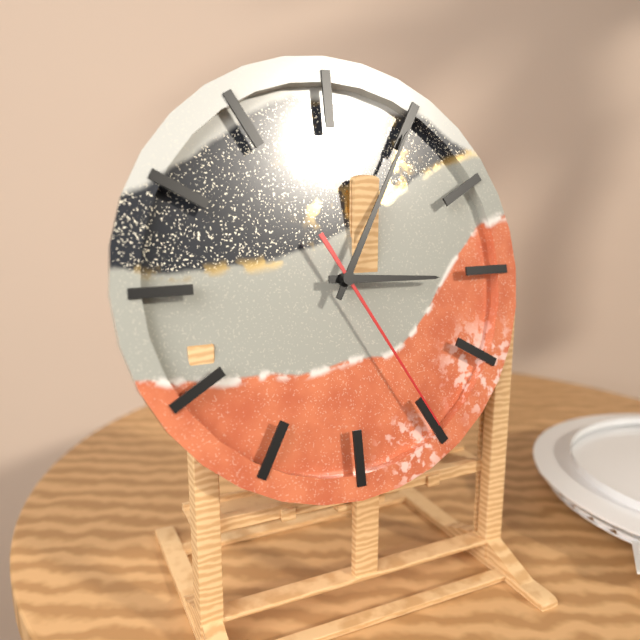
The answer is 3,05,25
